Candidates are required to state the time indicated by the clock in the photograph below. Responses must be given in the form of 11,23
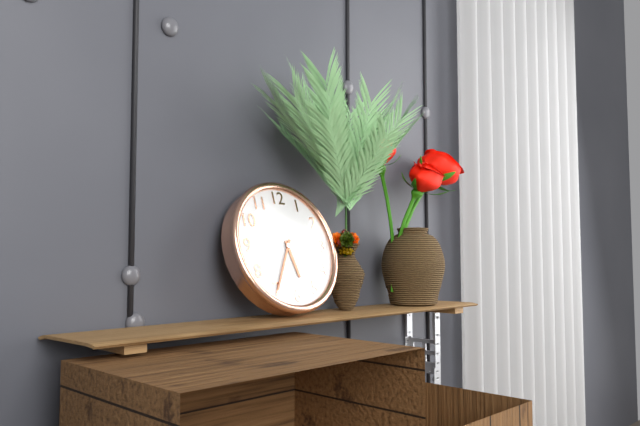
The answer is 5,35
